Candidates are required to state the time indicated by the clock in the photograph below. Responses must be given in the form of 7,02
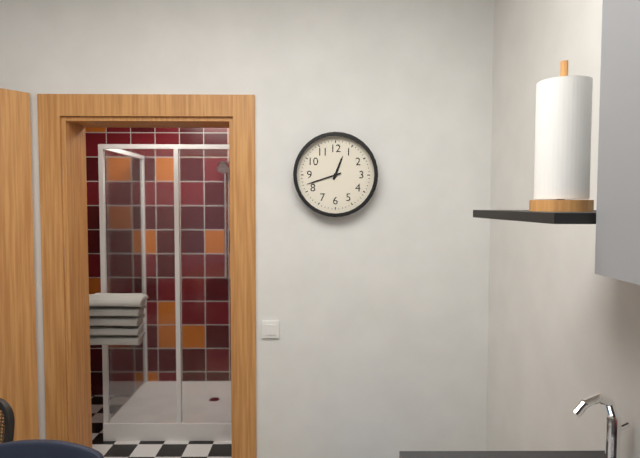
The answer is 12,42
